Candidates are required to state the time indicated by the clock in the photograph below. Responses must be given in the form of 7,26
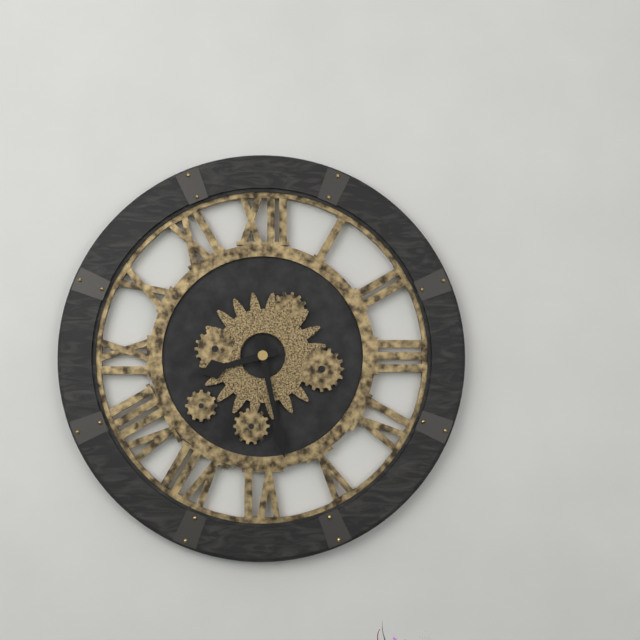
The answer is 8,28
